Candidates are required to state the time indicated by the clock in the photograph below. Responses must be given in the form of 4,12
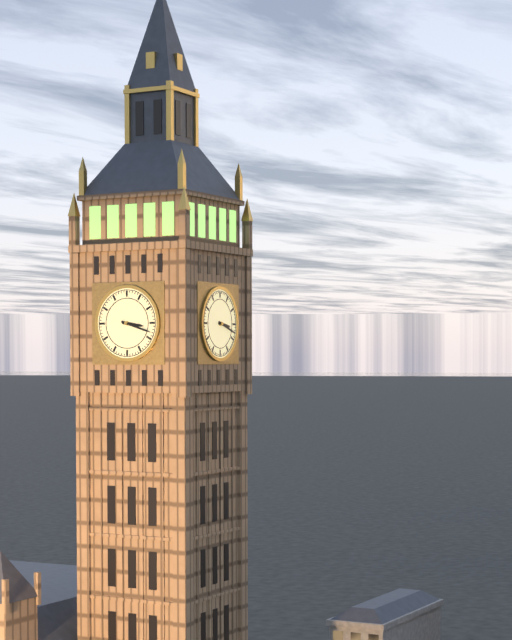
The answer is 3,18
